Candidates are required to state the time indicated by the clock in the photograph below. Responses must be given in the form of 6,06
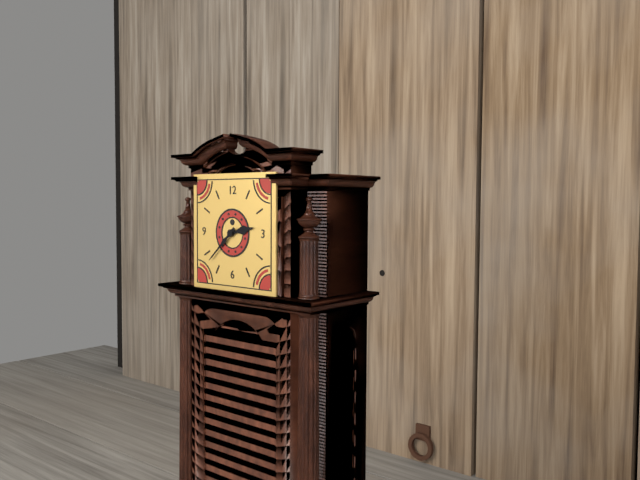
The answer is 2,38
